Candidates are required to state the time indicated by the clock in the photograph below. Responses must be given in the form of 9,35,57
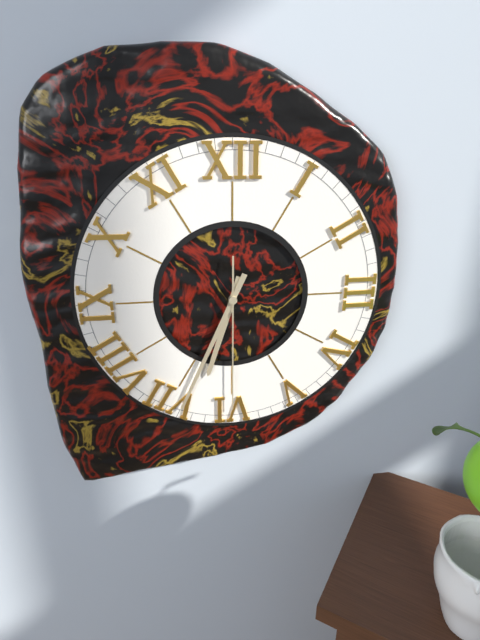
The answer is 6,34,30
